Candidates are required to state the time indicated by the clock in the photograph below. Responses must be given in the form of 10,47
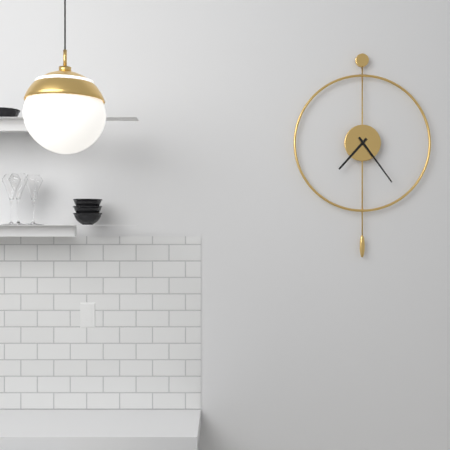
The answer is 7,24
